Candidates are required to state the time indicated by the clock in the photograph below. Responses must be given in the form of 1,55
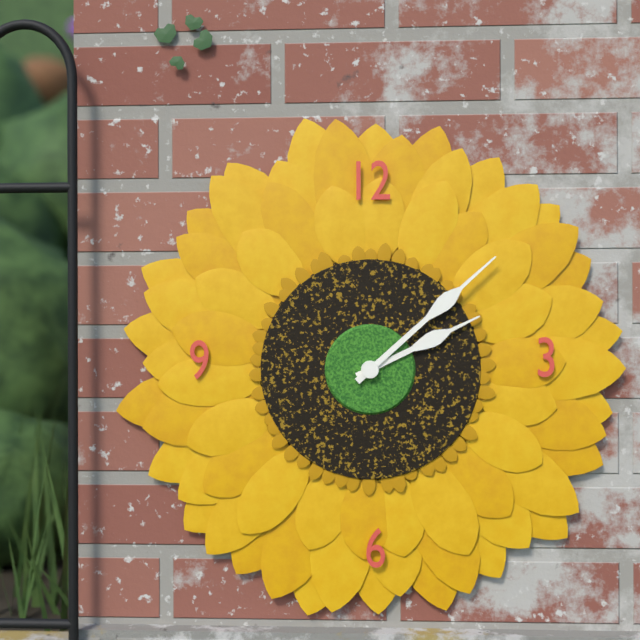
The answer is 2,08
